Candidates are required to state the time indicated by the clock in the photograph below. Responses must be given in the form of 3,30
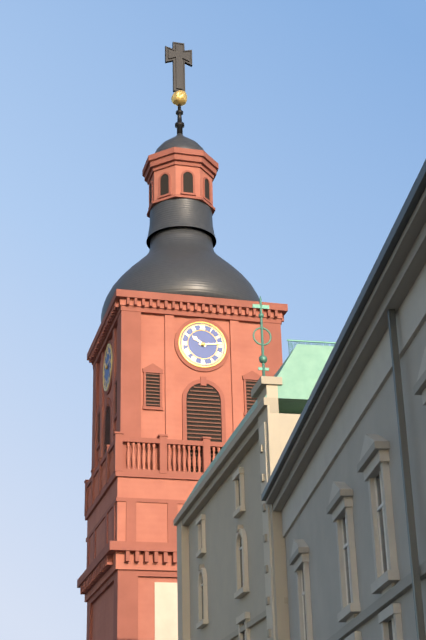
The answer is 10,14
